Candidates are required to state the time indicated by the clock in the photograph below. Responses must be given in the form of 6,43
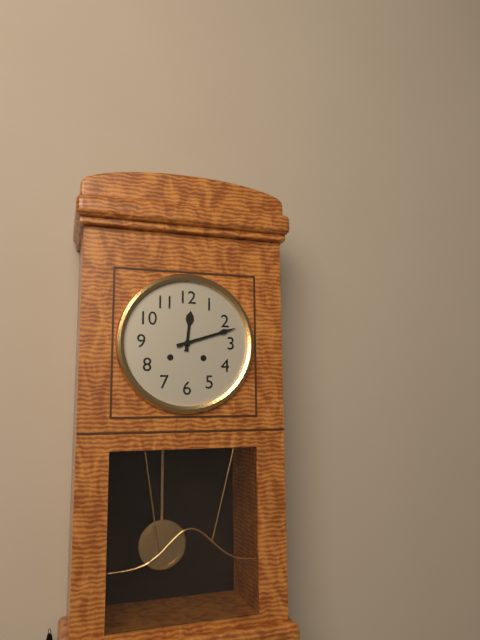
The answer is 12,12
